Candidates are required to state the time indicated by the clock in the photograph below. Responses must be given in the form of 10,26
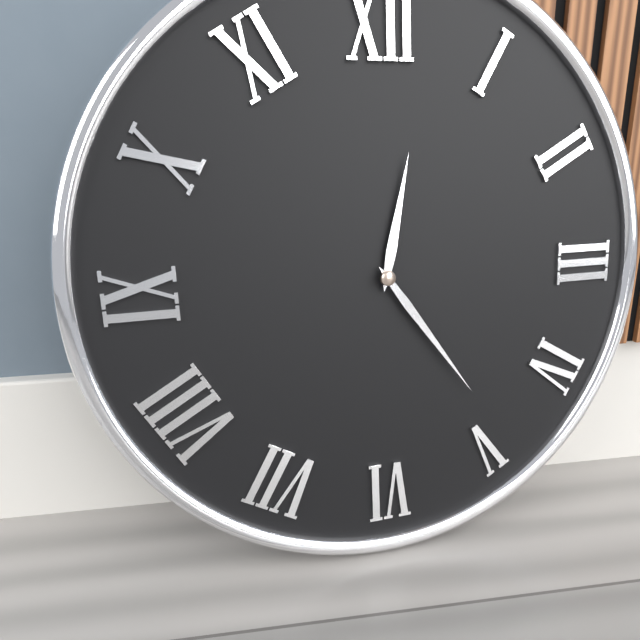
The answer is 12,24
